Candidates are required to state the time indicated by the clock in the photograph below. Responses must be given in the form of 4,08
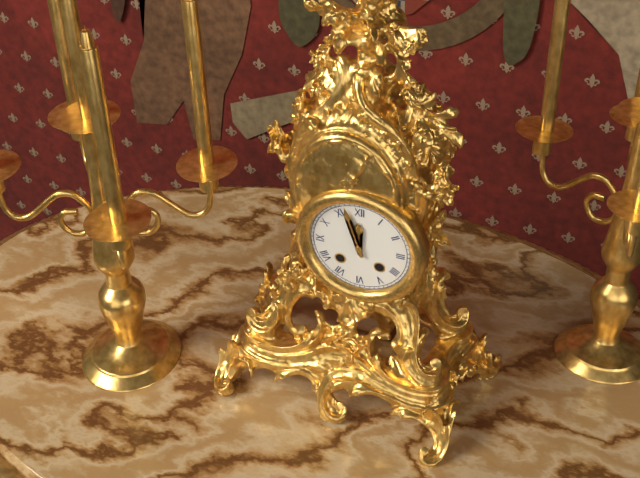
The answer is 11,57
